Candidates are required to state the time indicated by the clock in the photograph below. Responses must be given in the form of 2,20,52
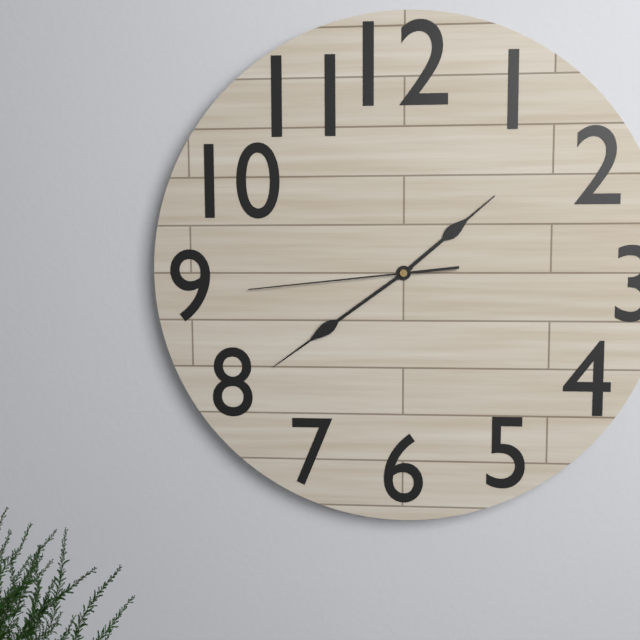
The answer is 1,39,44
